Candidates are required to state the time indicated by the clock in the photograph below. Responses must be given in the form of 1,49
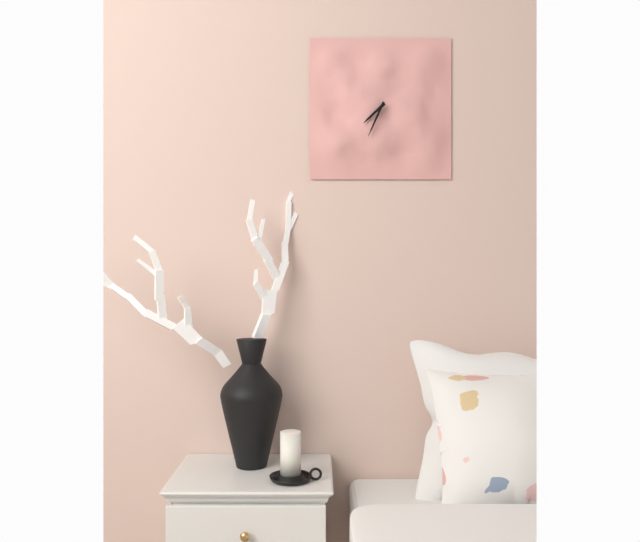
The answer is 7,34
